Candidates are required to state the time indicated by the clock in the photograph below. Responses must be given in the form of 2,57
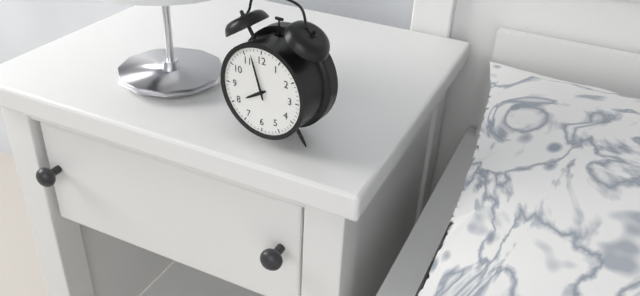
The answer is 7,57
